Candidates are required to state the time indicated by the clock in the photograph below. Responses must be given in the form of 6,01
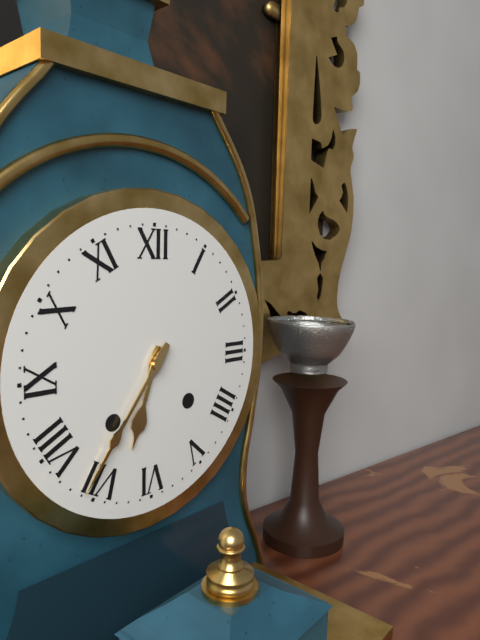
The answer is 6,36
